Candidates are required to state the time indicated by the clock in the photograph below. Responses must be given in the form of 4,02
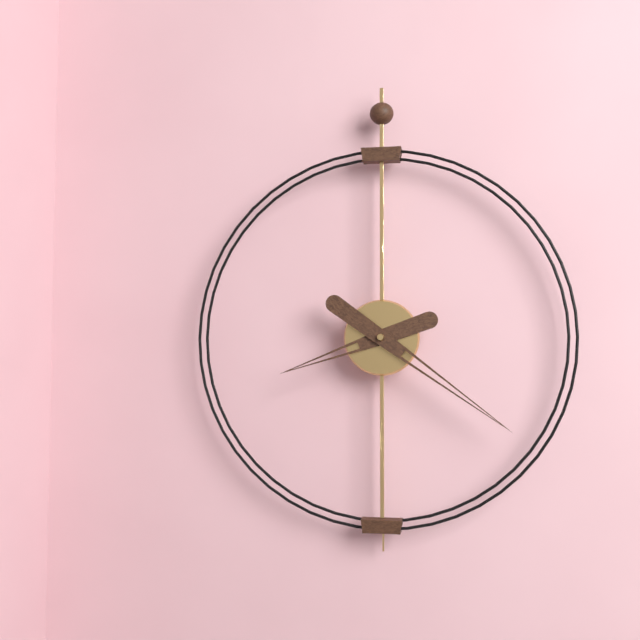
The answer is 8,21
